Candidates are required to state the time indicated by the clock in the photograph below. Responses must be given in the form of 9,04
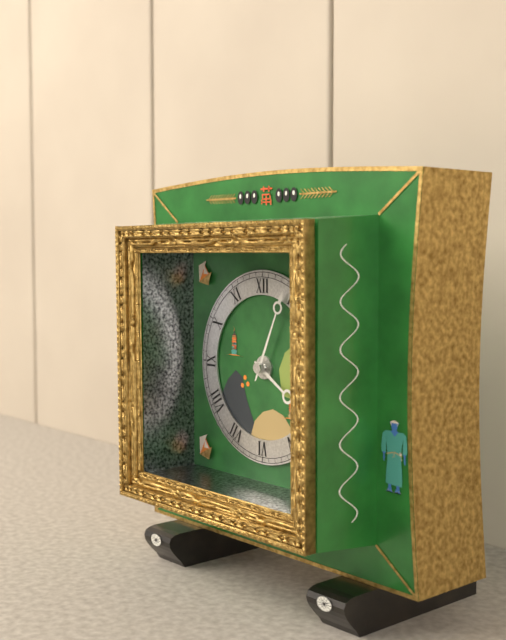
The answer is 4,04
